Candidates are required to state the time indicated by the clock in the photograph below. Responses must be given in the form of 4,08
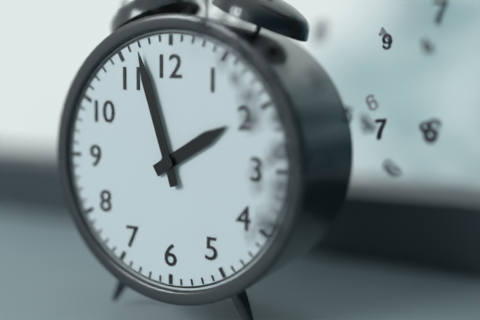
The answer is 1,57
